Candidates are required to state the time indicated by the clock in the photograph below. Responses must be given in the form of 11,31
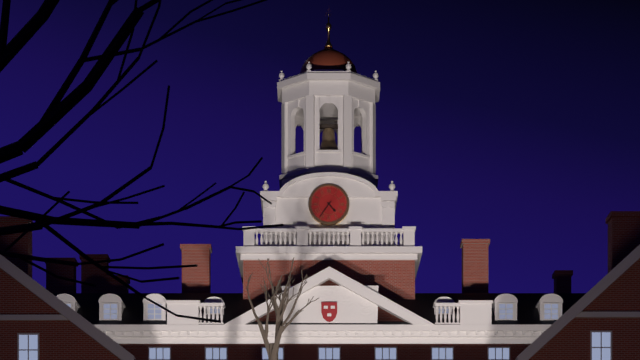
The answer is 4,36
